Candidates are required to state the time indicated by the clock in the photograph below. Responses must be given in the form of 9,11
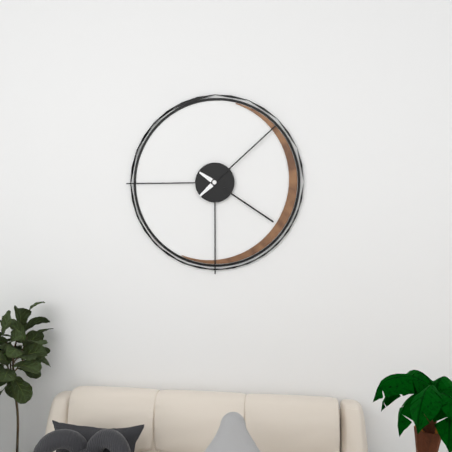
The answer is 4,08
